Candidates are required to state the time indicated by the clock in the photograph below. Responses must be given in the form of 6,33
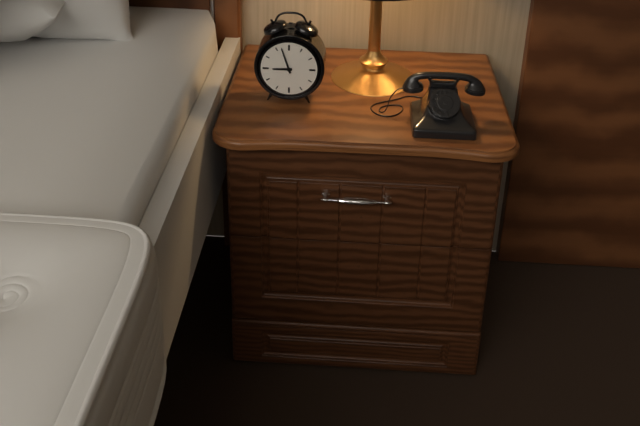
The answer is 8,57
